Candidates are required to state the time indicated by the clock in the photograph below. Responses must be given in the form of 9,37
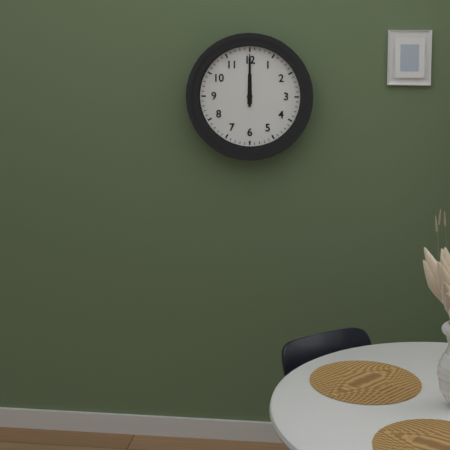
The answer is 12,00
